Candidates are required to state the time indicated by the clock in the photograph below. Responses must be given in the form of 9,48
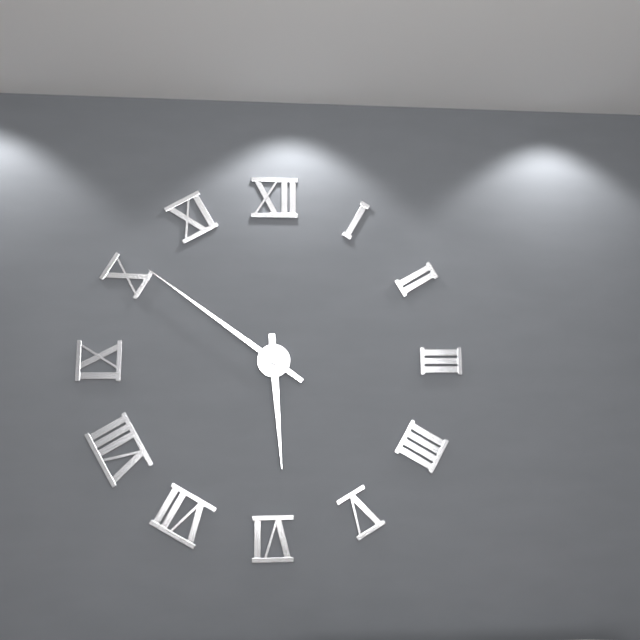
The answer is 5,51
